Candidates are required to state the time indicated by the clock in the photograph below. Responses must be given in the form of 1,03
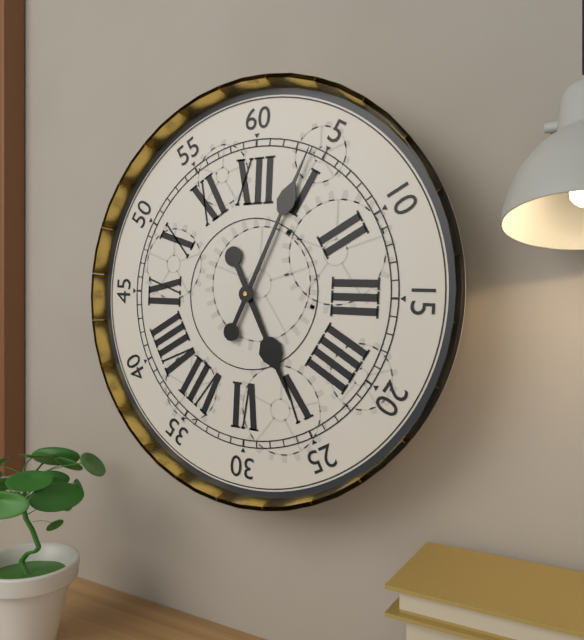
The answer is 5,04
